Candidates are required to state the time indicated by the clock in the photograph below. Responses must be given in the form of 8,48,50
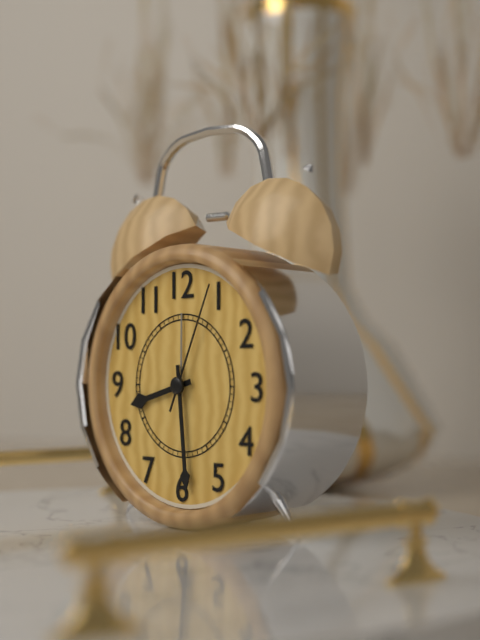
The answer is 8,29,04
